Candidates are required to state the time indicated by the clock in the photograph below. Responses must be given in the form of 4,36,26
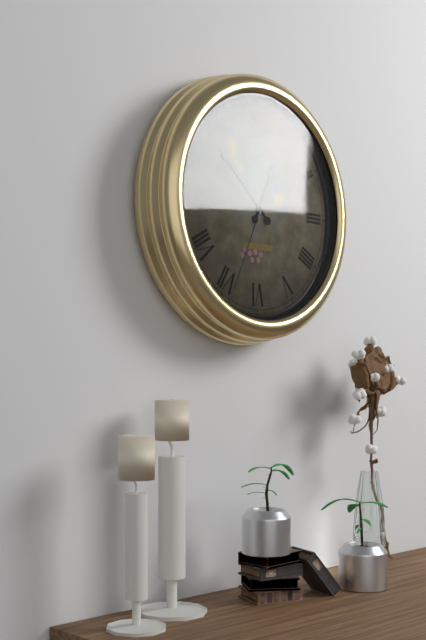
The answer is 12,52,34
